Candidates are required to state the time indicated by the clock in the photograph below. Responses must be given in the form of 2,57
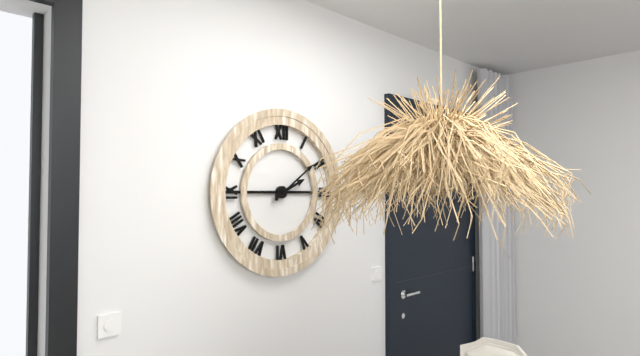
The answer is 2,09
